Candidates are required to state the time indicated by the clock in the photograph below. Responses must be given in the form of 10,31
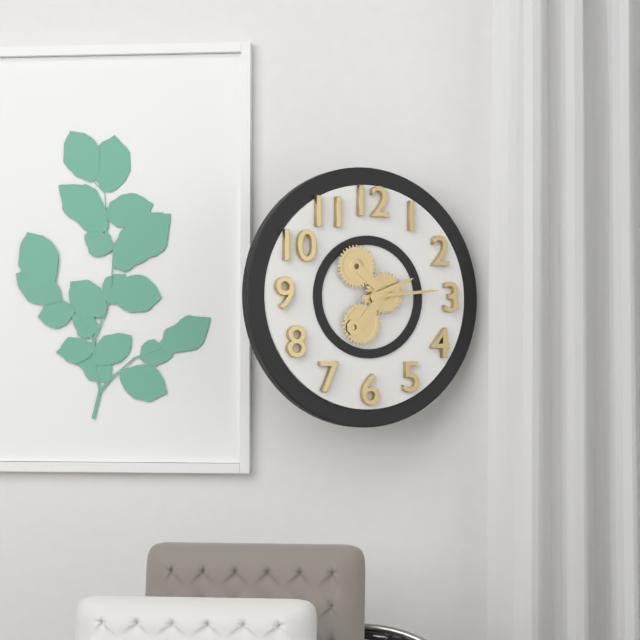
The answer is 2,14
